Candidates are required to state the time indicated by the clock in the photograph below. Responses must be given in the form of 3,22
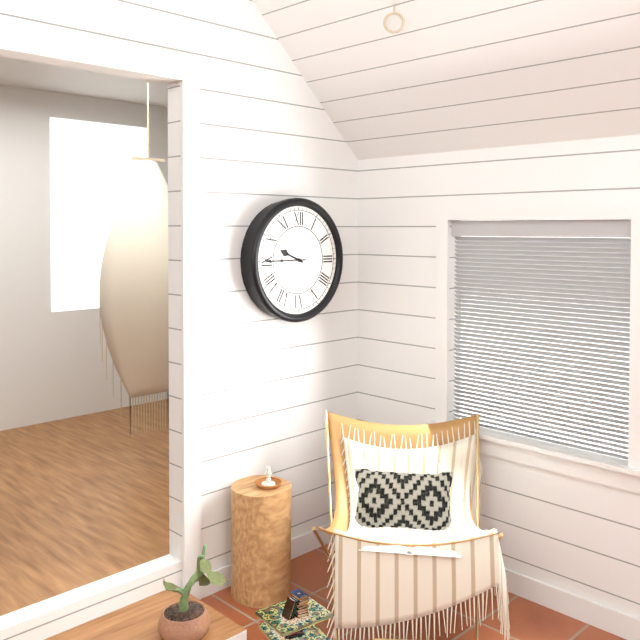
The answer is 9,45
